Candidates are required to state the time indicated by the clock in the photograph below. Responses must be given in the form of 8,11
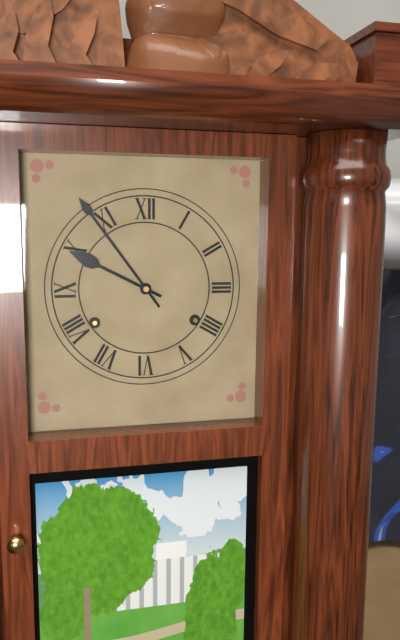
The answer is 9,54
